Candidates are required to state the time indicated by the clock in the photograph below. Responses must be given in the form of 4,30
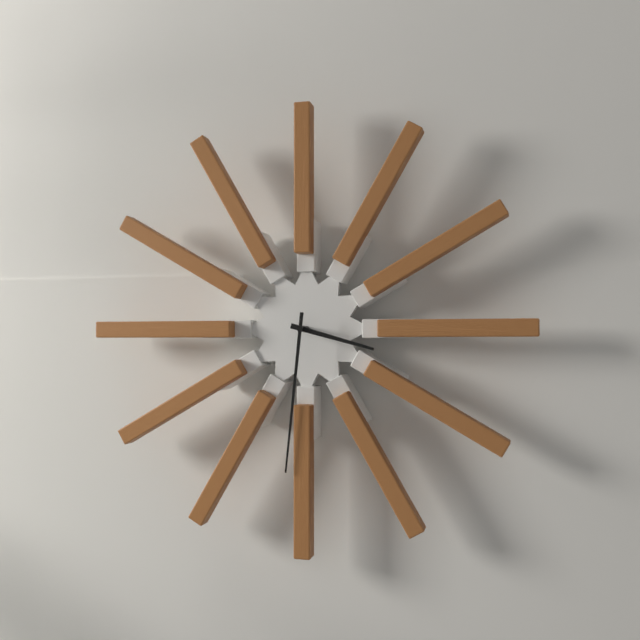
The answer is 3,31
